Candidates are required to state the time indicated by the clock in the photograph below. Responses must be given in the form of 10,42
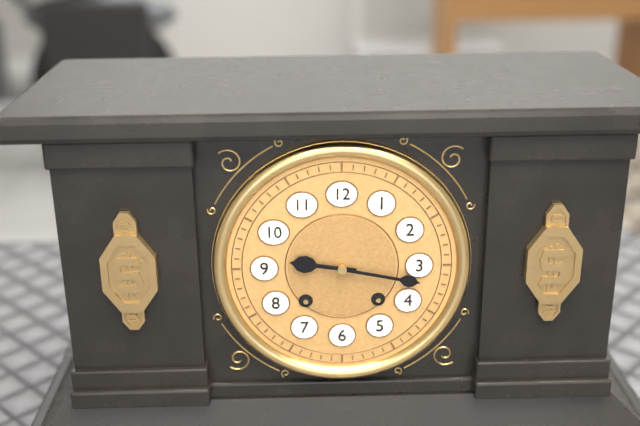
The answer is 9,17
